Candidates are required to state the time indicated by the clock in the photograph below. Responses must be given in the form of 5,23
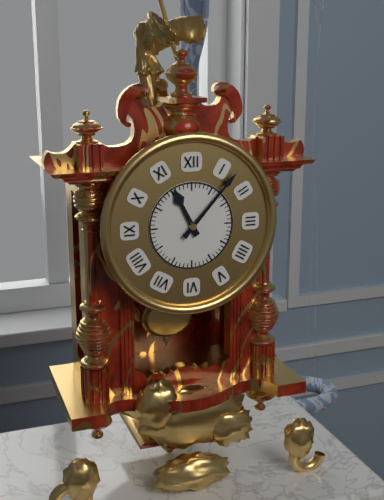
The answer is 11,07
